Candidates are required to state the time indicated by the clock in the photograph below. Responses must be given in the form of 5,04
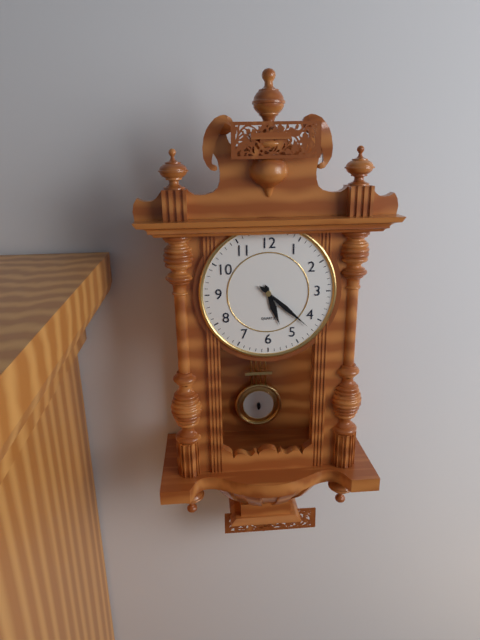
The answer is 5,22
